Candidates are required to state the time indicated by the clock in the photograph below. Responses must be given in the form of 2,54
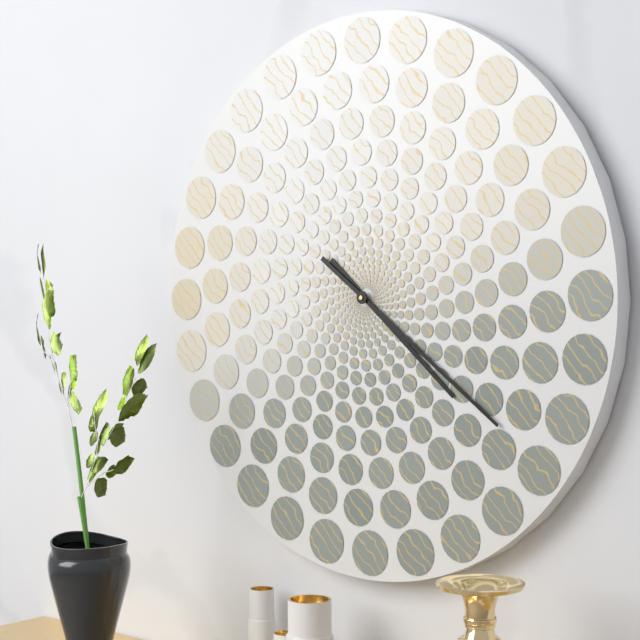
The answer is 4,21
